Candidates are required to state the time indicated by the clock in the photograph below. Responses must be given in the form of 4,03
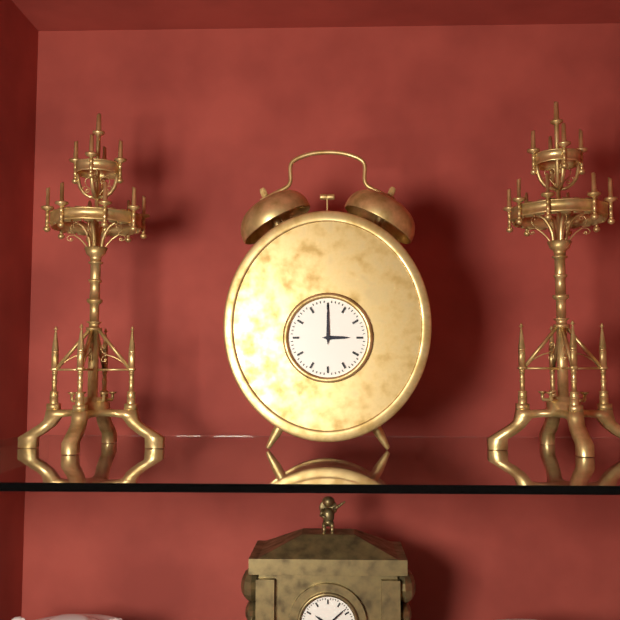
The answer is 3,00
